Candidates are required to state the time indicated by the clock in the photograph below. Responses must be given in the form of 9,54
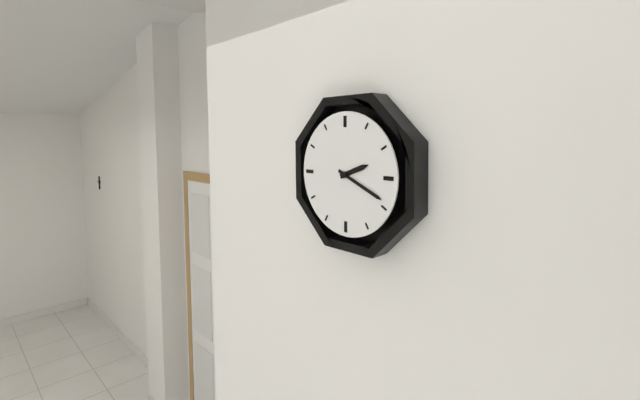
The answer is 2,19
